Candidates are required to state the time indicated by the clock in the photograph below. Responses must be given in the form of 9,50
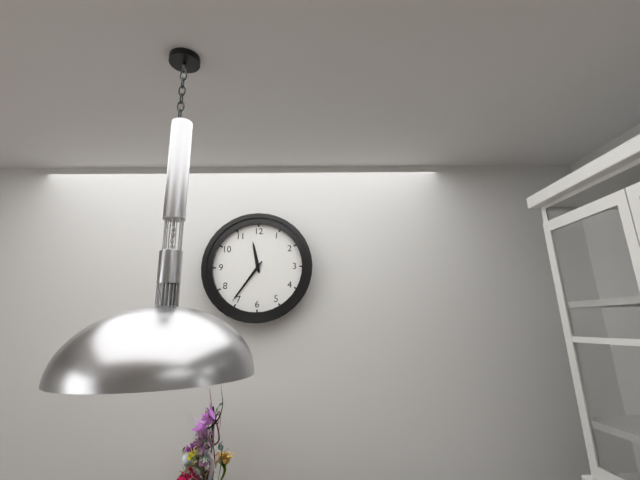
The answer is 11,36
